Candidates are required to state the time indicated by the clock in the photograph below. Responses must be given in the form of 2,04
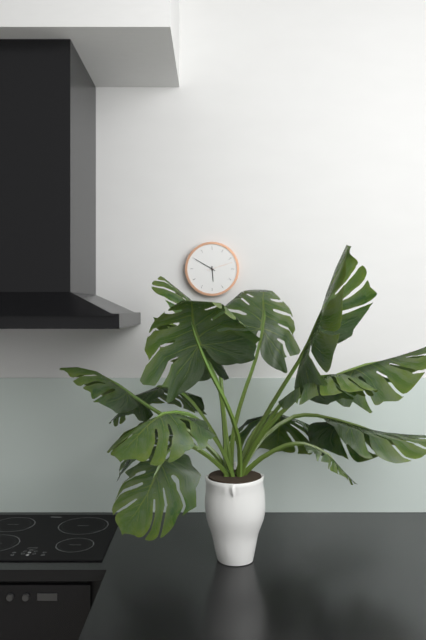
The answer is 5,50
